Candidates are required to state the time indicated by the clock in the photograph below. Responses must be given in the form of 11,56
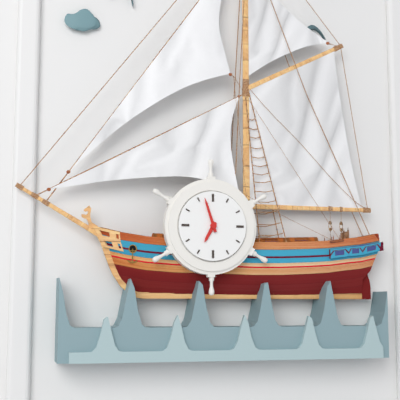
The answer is 6,57
